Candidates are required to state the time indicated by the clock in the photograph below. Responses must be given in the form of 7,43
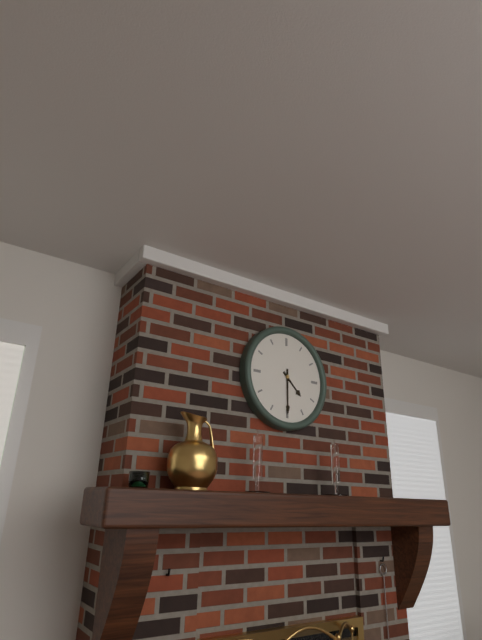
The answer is 4,30
